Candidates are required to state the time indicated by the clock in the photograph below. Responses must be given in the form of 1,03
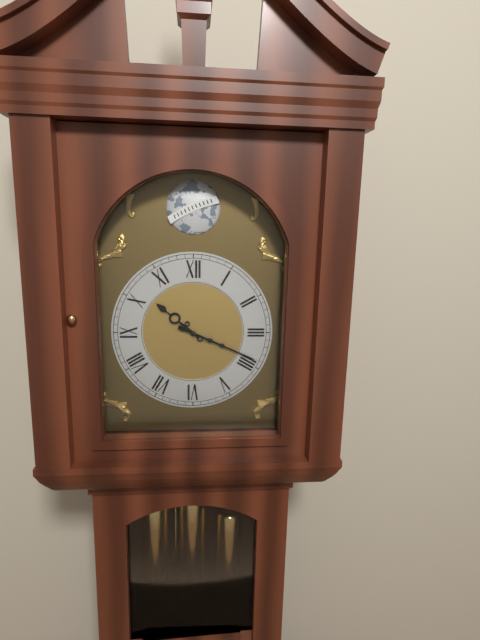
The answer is 10,19
